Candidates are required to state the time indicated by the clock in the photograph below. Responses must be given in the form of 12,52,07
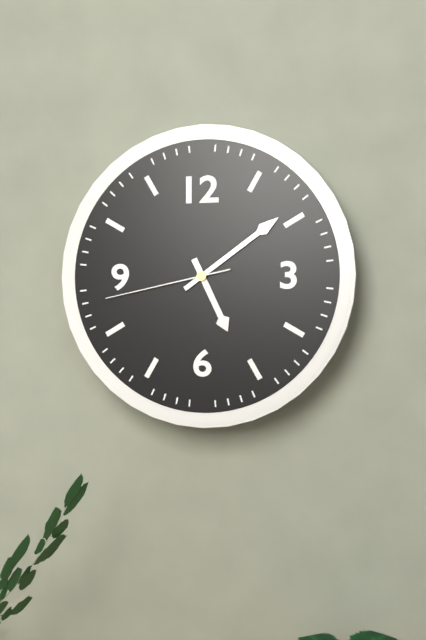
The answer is 5,09,43
